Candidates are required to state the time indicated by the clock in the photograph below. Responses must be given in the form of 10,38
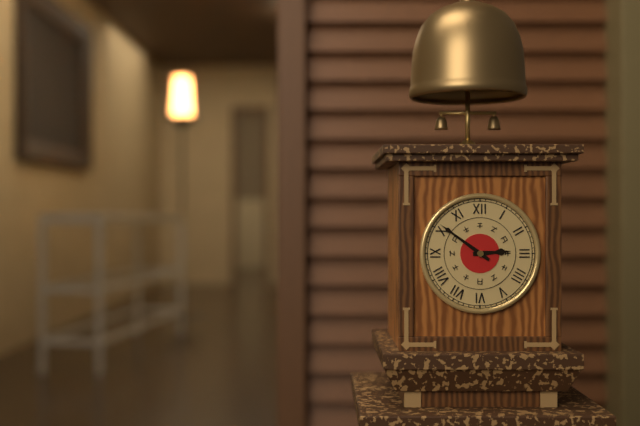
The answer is 2,51
